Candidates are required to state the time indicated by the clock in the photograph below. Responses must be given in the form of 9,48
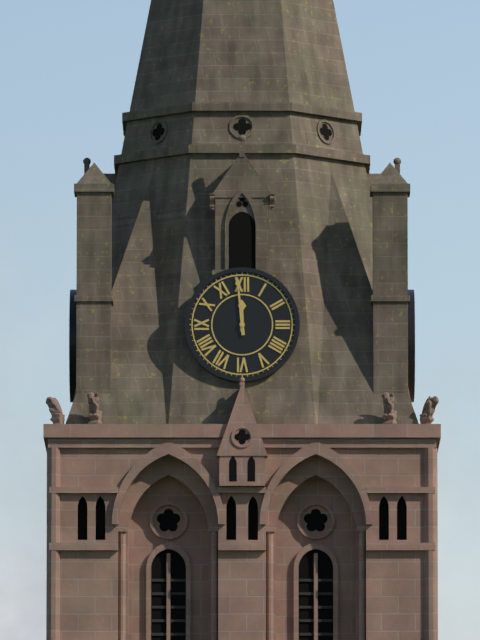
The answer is 11,59
